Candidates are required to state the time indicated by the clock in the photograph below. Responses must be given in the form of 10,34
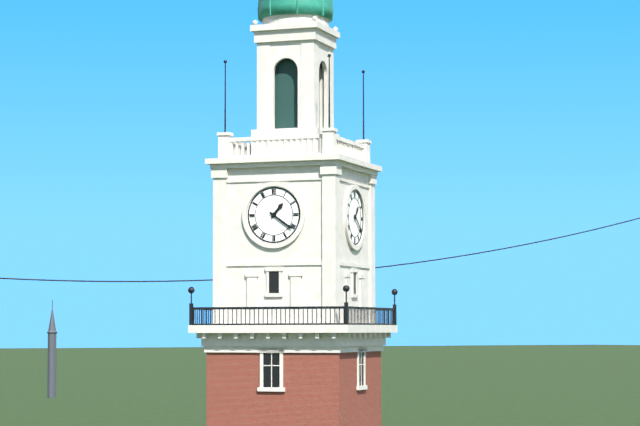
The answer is 1,21
